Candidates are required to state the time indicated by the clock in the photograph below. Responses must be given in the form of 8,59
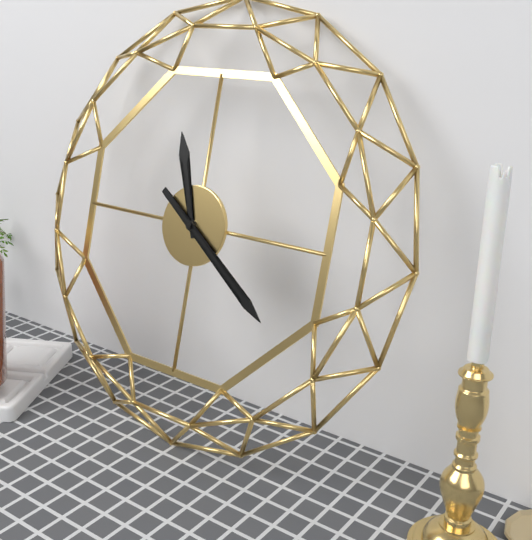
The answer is 11,21
